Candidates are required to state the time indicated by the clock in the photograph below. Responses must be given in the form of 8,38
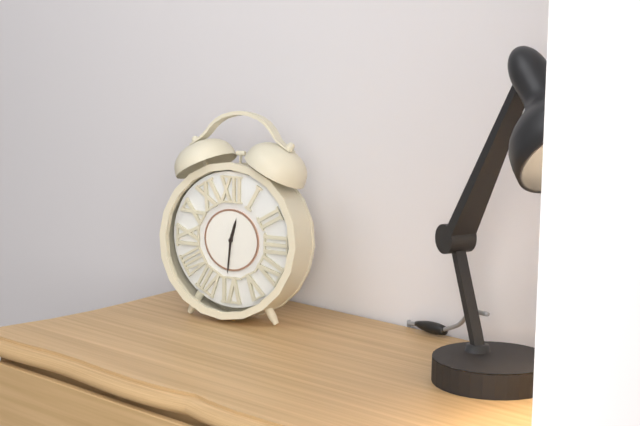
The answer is 12,31
